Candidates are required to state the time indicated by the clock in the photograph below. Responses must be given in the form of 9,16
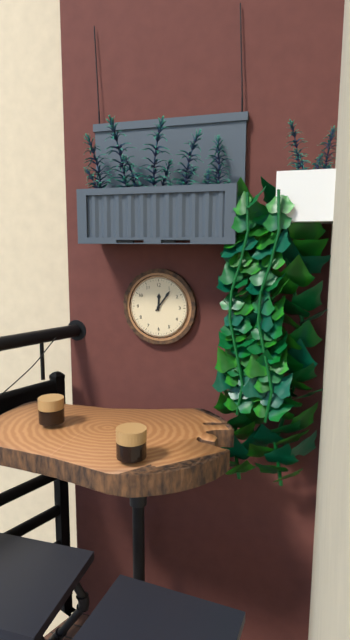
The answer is 12,06
